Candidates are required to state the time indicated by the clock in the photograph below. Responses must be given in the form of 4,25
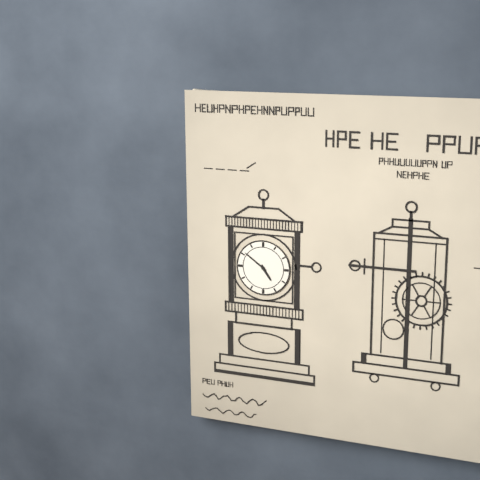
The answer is 4,51
